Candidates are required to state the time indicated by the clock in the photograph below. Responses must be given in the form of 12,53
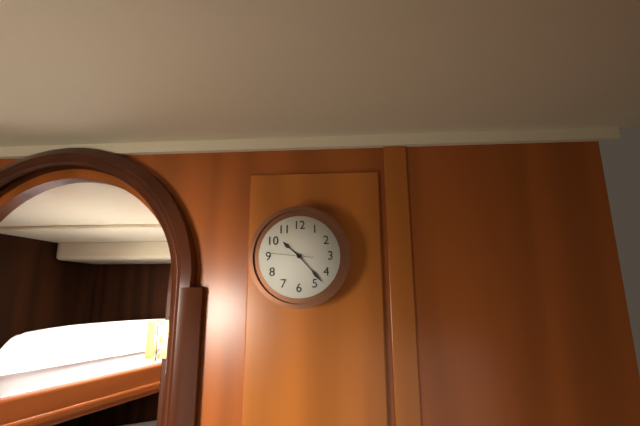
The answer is 10,23
